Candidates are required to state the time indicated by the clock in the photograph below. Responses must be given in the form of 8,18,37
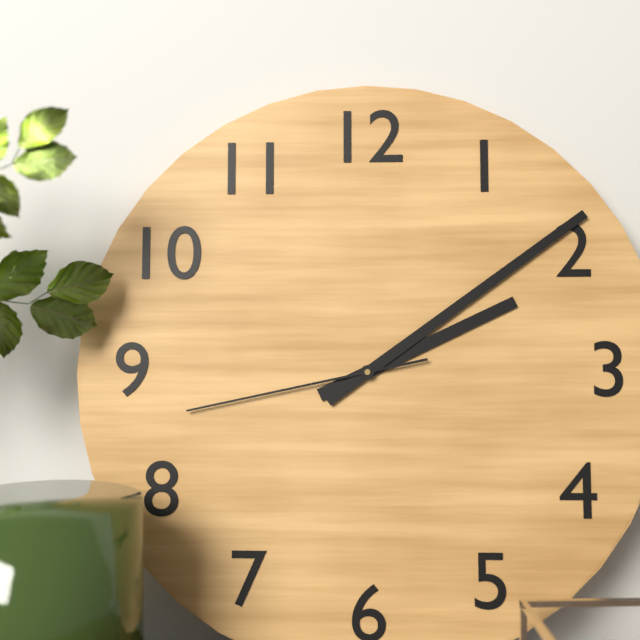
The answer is 2,09,43
